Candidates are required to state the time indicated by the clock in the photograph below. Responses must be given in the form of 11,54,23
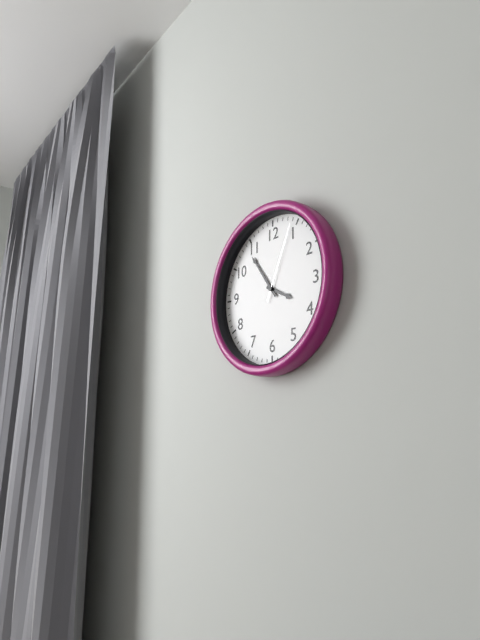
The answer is 3,54,04
